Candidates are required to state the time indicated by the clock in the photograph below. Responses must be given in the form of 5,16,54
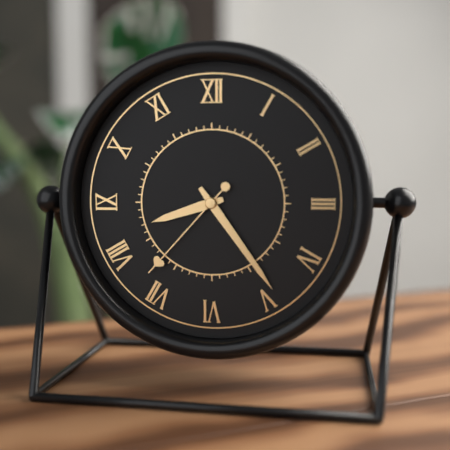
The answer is 8,24,37
